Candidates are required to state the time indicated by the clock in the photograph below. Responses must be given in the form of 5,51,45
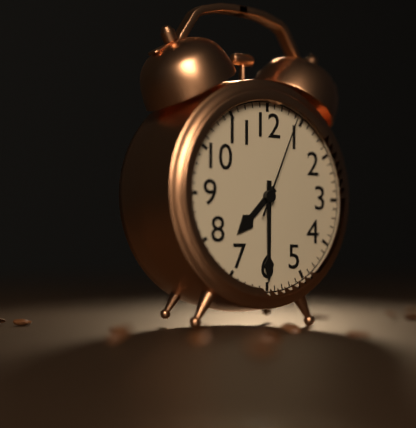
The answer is 7,30,04
